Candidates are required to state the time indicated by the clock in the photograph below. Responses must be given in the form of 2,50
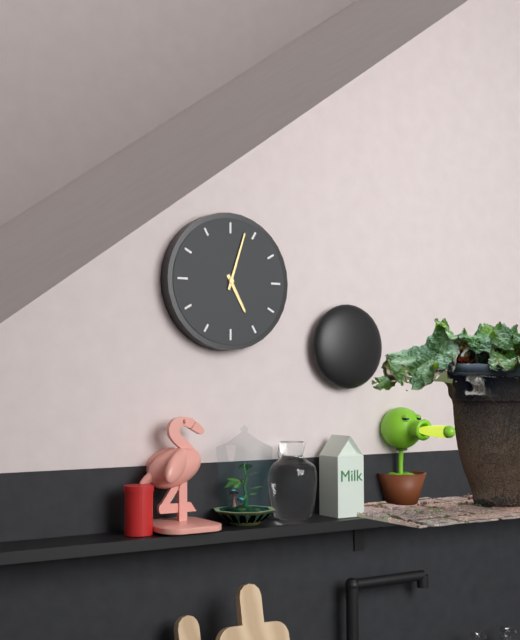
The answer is 5,03
